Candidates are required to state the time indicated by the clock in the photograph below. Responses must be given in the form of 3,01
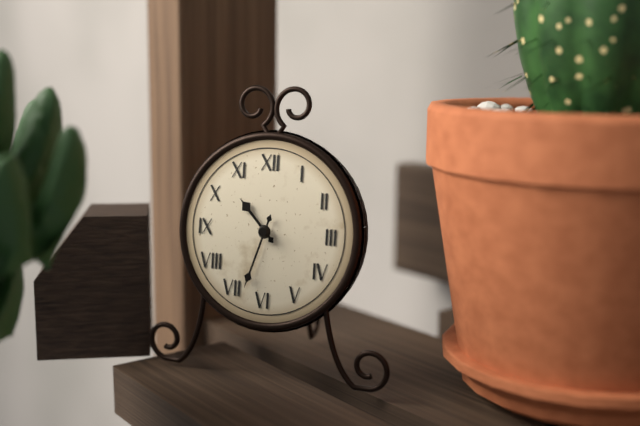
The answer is 10,33
